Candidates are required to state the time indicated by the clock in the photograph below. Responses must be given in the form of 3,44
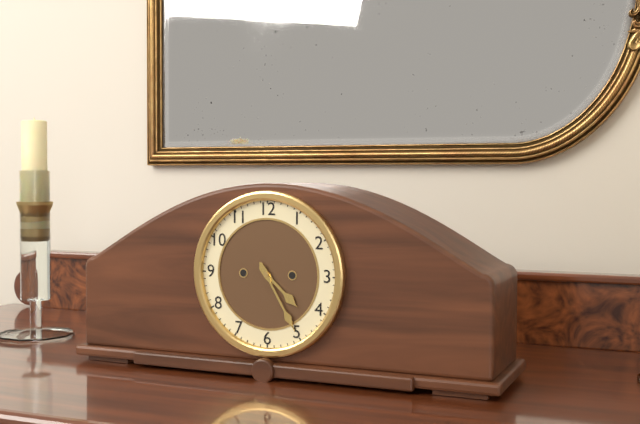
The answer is 4,25
